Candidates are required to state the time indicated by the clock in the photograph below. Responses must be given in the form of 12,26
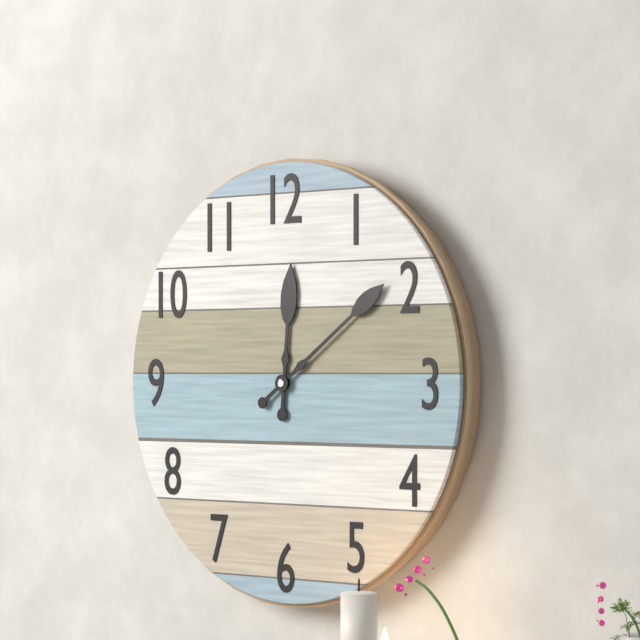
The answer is 12,09
